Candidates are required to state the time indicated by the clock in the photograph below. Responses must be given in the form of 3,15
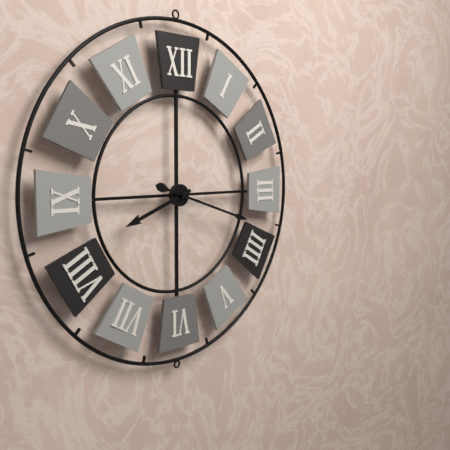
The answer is 8,18
